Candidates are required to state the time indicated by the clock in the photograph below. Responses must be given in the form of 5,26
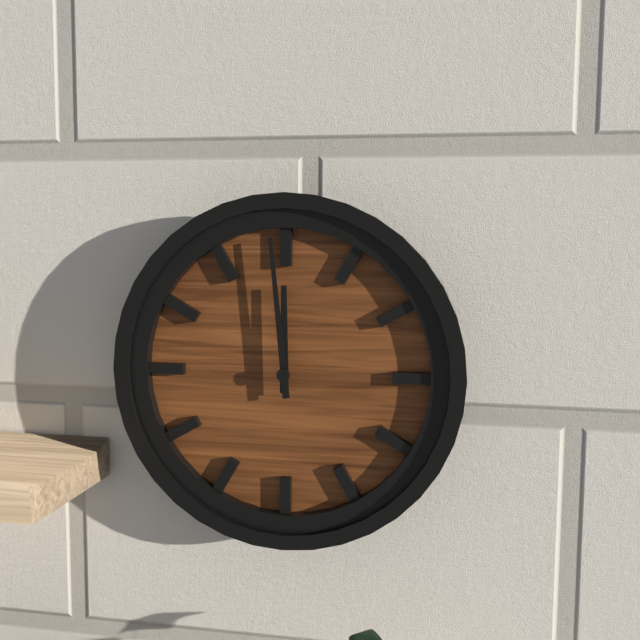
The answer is 11,59
